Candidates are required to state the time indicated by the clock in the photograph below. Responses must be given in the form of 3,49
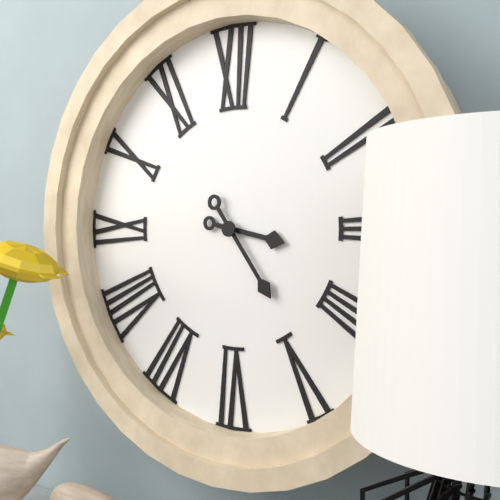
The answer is 3,24
